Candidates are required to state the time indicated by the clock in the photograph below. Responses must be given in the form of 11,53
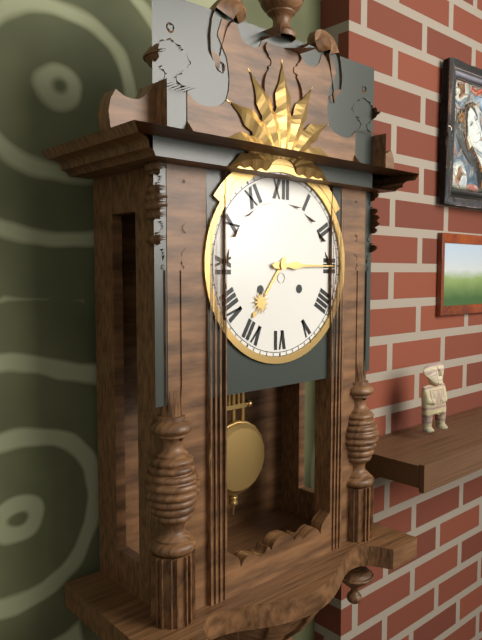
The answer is 7,15
